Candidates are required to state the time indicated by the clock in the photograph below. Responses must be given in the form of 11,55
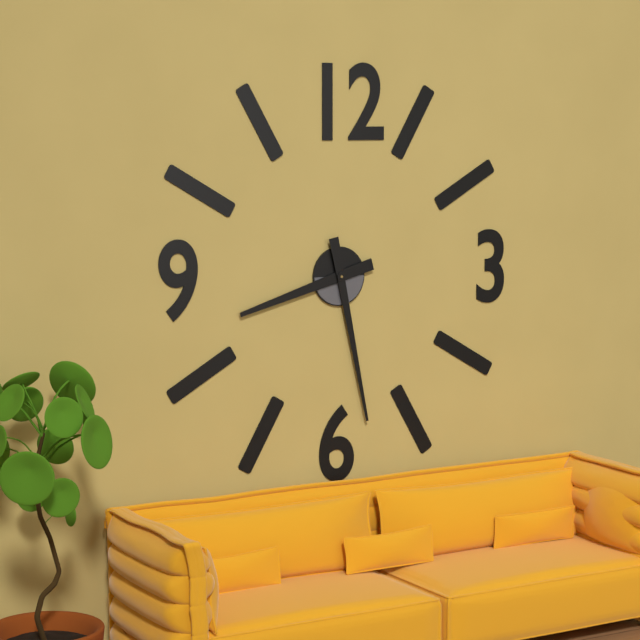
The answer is 8,28
